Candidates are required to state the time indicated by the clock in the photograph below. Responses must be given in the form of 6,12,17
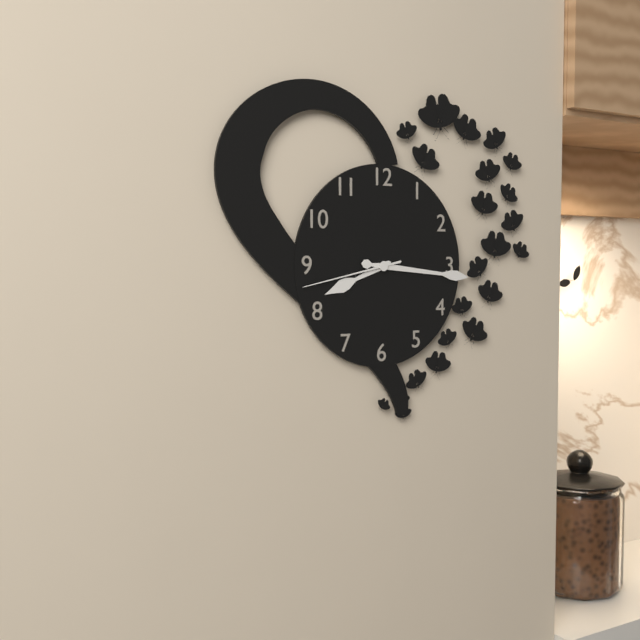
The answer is 8,16,43
